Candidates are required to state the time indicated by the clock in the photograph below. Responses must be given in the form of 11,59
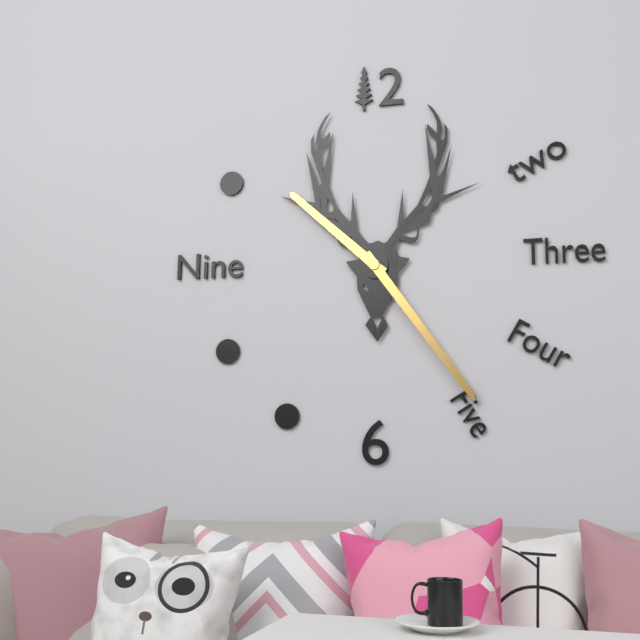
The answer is 10,24
